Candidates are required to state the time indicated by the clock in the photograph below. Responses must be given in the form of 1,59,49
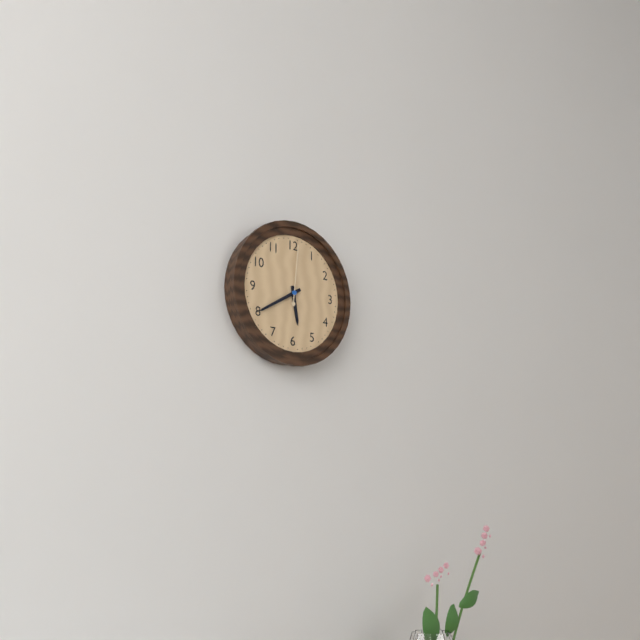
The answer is 5,40,01
